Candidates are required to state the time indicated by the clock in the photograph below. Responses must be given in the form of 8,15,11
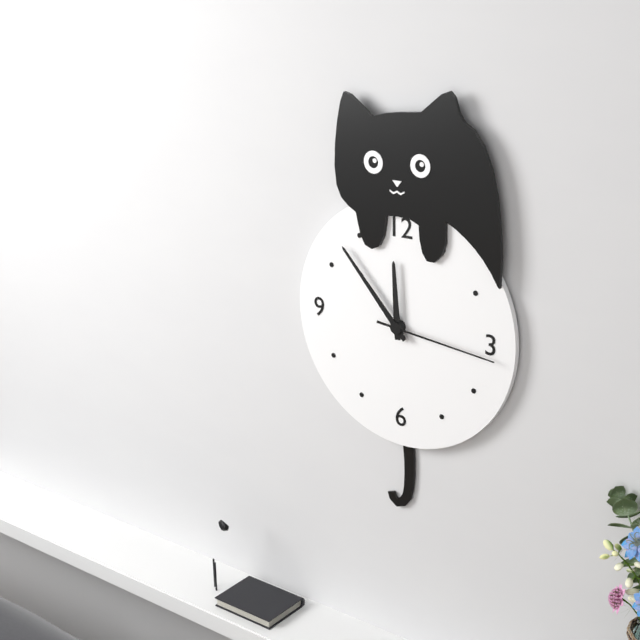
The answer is 11,53,16
